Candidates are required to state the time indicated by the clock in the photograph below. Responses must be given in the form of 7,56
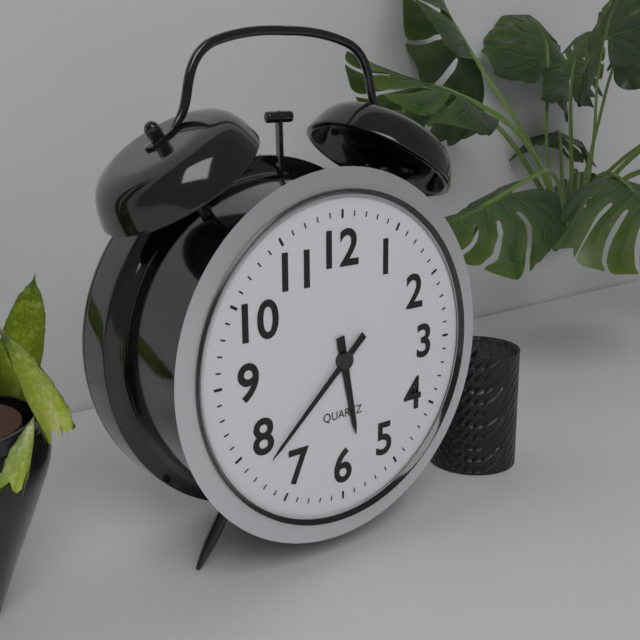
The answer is 5,38
